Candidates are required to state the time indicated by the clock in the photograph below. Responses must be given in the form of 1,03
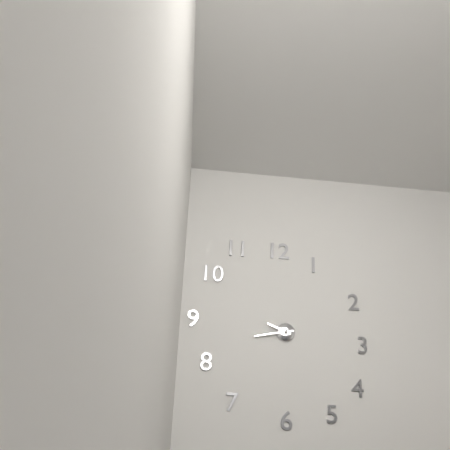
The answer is 9,43
